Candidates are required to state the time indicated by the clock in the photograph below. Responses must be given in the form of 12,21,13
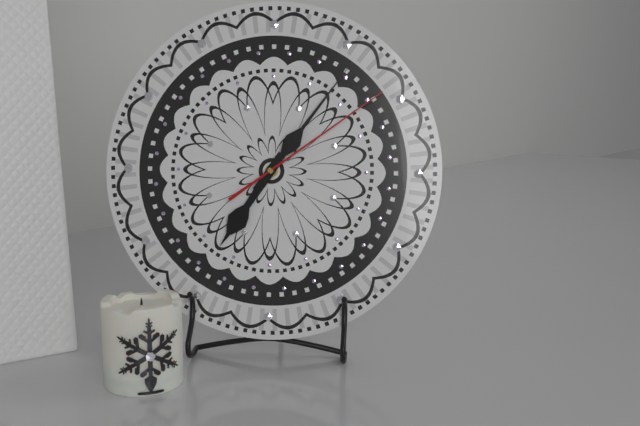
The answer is 7,06,09
